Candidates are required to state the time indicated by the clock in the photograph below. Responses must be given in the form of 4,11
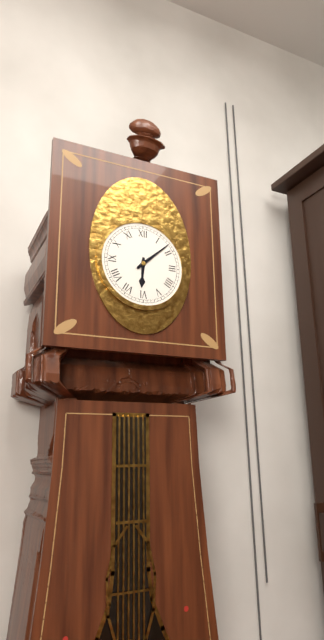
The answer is 6,08
